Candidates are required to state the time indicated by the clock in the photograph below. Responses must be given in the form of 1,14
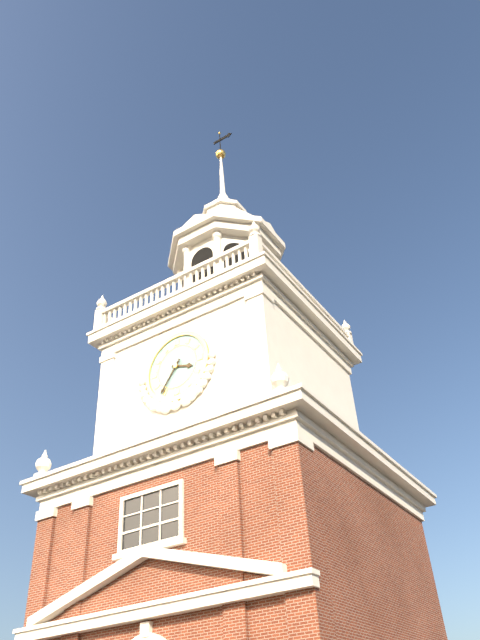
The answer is 3,36
